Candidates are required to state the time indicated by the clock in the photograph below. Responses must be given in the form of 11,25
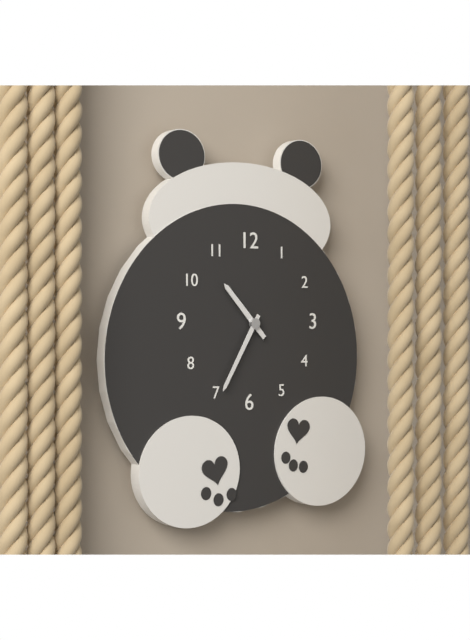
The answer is 10,35
